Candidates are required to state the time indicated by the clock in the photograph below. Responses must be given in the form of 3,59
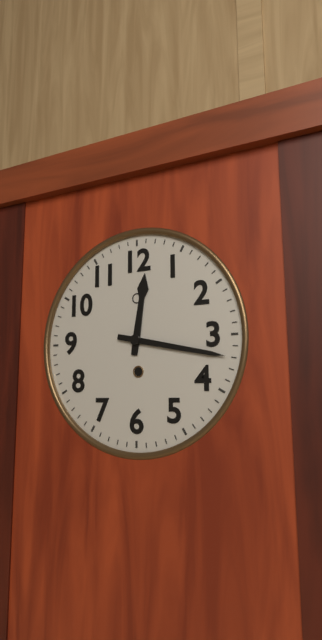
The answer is 12,17
